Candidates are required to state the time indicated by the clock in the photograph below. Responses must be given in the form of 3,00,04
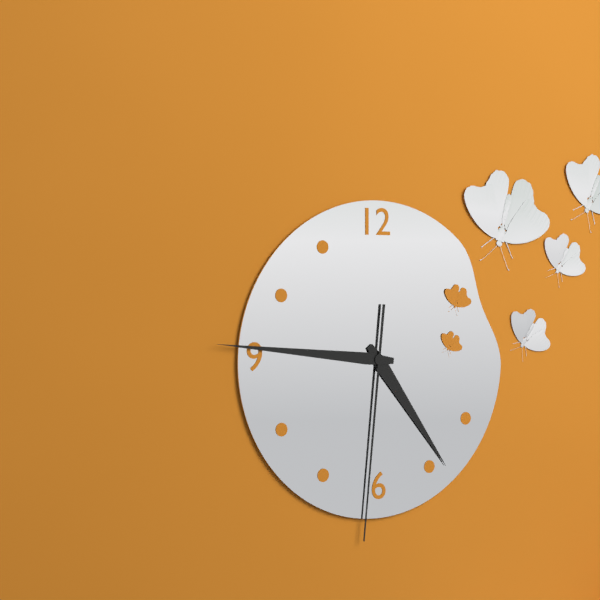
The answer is 4,46,31
